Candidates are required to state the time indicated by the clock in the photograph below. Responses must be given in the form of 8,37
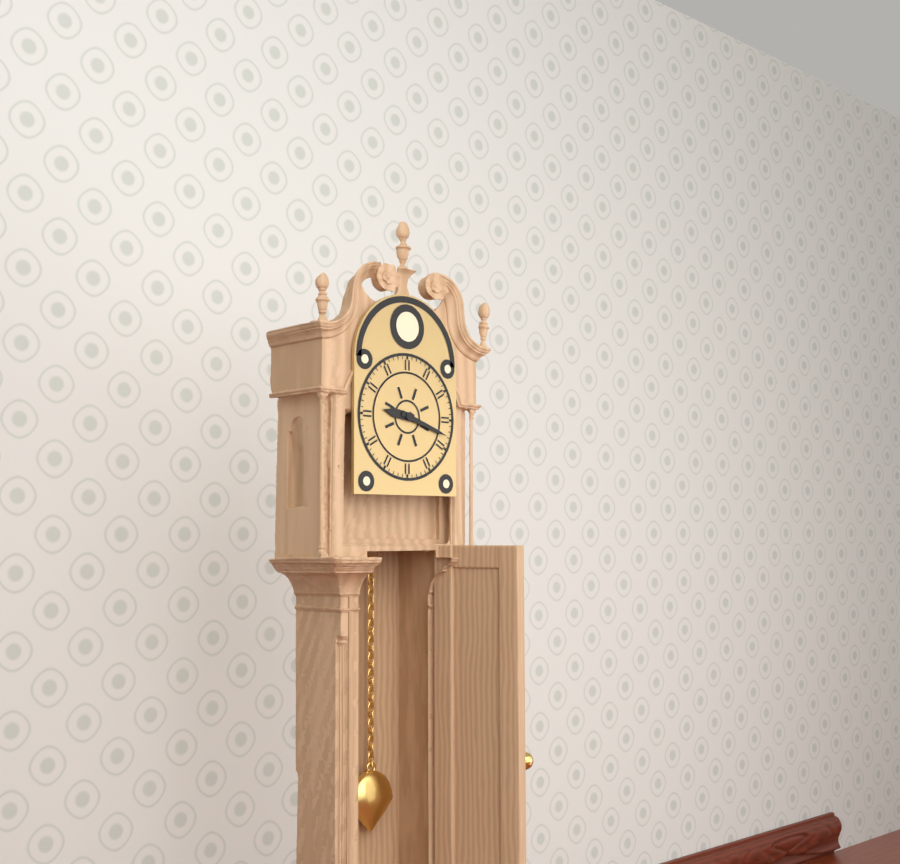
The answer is 9,18
